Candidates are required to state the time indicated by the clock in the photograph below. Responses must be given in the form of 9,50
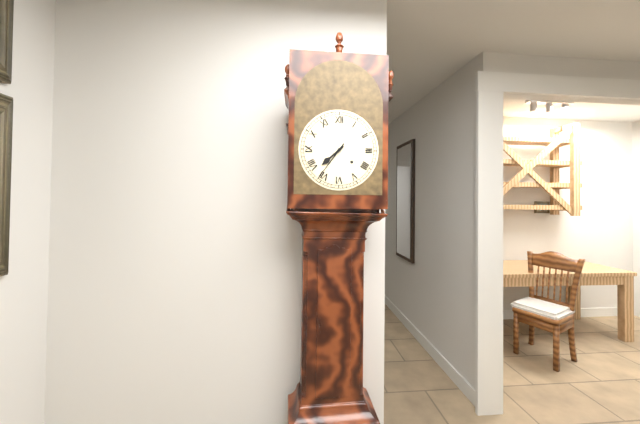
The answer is 7,36
